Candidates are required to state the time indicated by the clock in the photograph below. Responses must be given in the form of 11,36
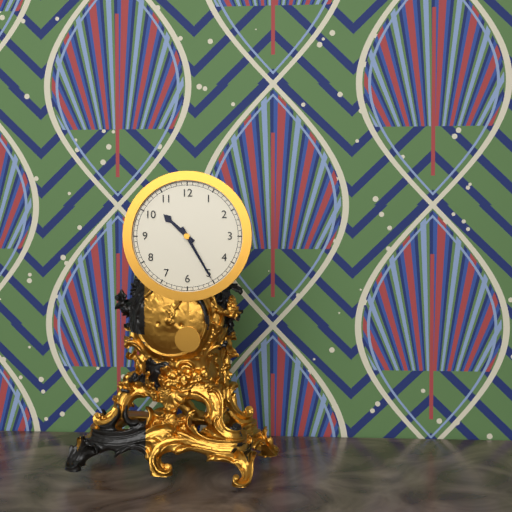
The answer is 10,25
